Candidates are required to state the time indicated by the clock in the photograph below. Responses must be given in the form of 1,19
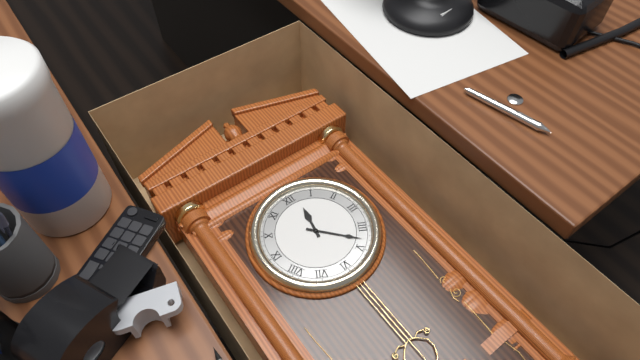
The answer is 12,23
